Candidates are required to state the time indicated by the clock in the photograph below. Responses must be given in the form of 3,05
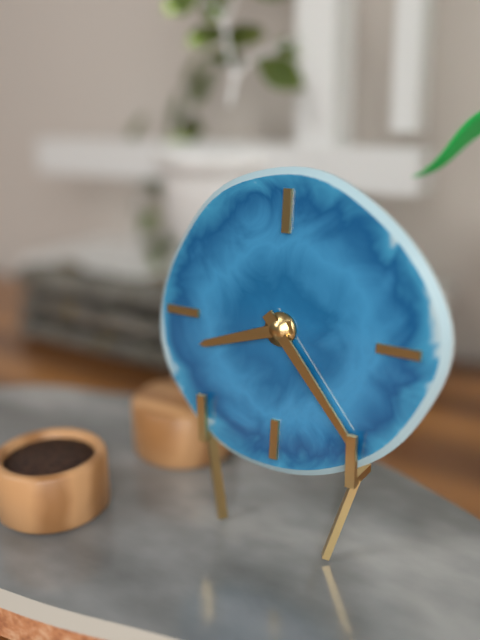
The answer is 8,23
